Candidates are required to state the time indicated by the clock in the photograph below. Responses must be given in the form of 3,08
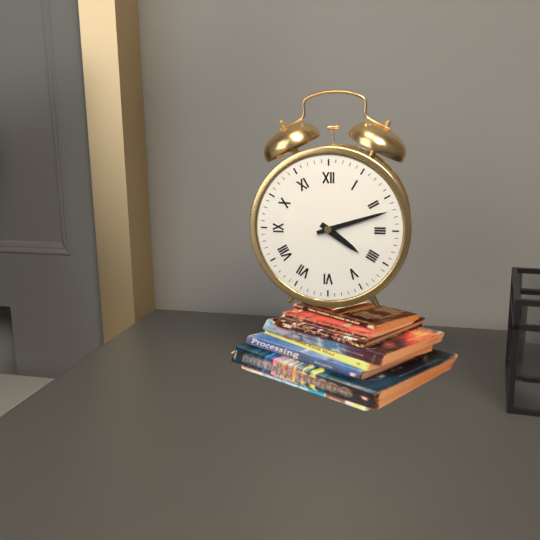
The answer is 4,12
